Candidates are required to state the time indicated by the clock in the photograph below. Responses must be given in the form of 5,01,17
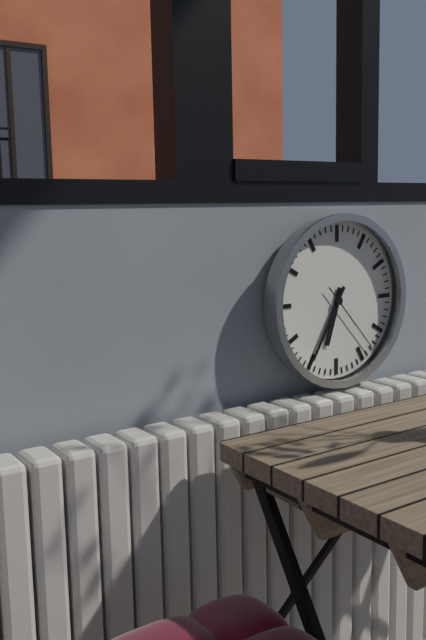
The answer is 6,35,23
